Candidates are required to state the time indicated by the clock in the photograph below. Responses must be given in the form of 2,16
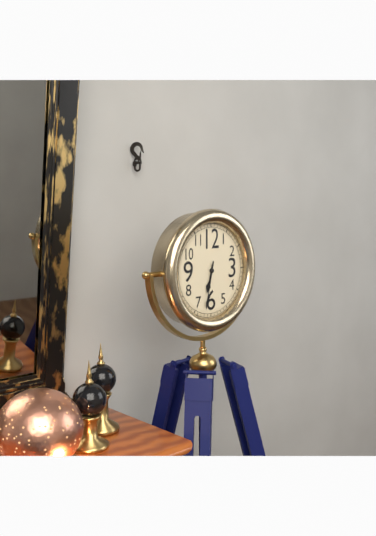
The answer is 6,32
